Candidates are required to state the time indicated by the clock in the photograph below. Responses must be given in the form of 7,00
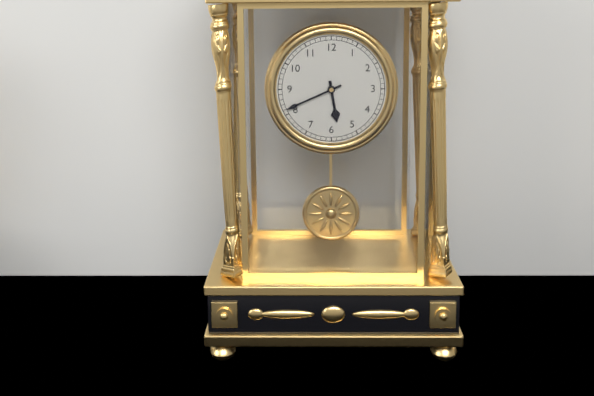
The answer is 5,41
